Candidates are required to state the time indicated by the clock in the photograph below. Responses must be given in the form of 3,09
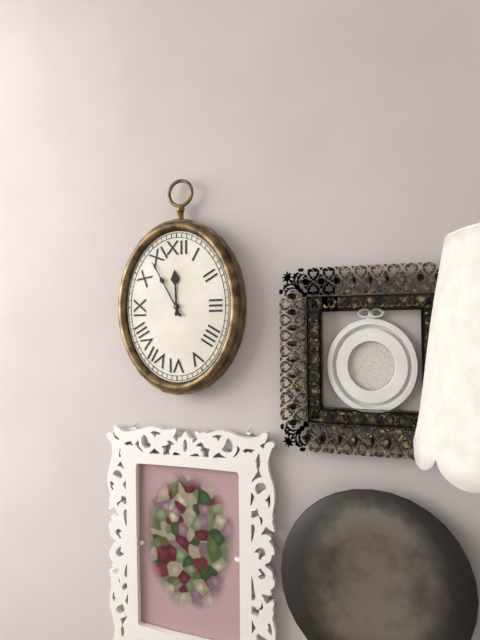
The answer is 11,55
